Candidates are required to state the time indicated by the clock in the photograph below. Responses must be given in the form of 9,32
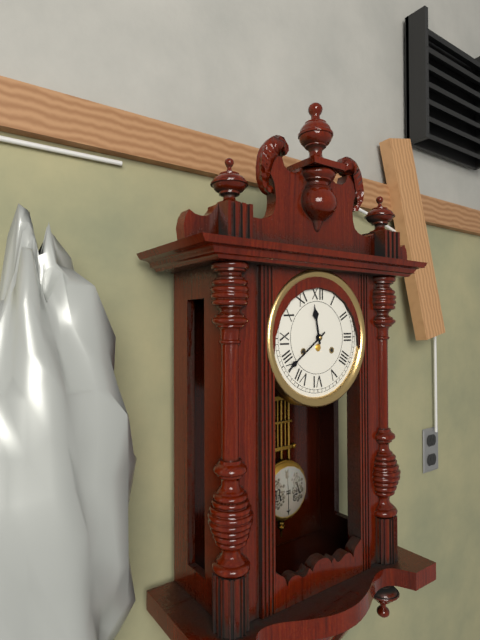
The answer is 11,39
